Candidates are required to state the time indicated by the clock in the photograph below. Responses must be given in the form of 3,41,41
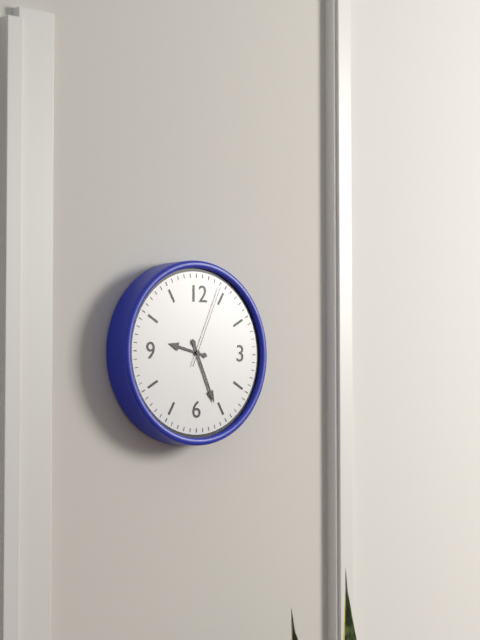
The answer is 9,26,04
